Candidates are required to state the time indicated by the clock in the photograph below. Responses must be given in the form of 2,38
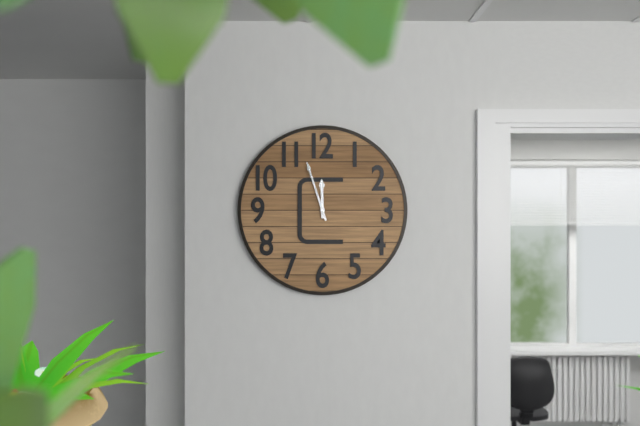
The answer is 11,57
